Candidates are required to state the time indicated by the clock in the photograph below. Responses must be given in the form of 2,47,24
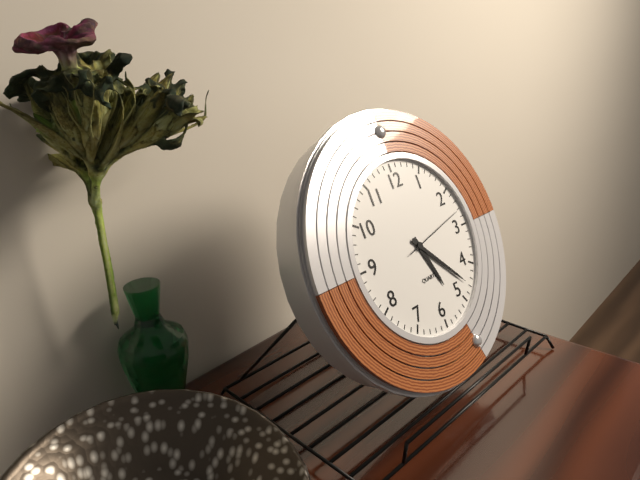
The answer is 5,23,13
